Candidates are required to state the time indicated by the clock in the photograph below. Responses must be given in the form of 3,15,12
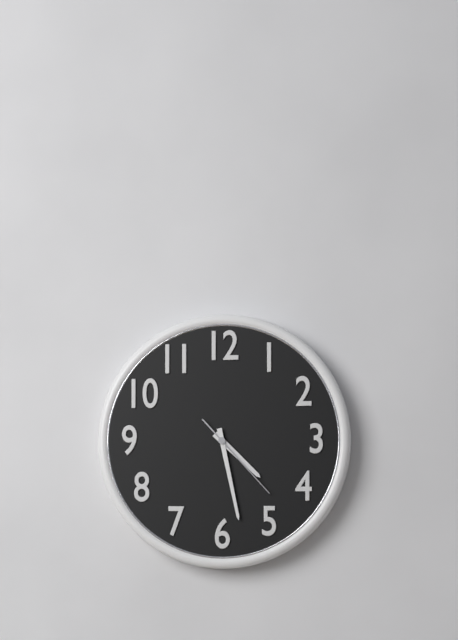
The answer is 4,28,23
